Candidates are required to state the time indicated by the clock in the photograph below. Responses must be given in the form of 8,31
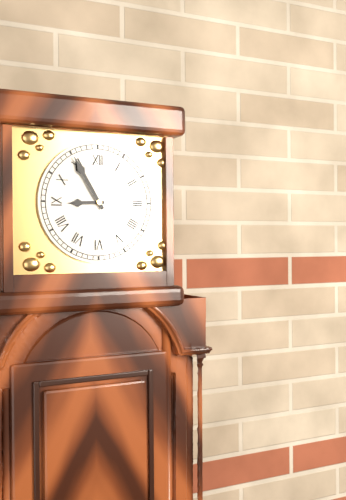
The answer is 8,55
